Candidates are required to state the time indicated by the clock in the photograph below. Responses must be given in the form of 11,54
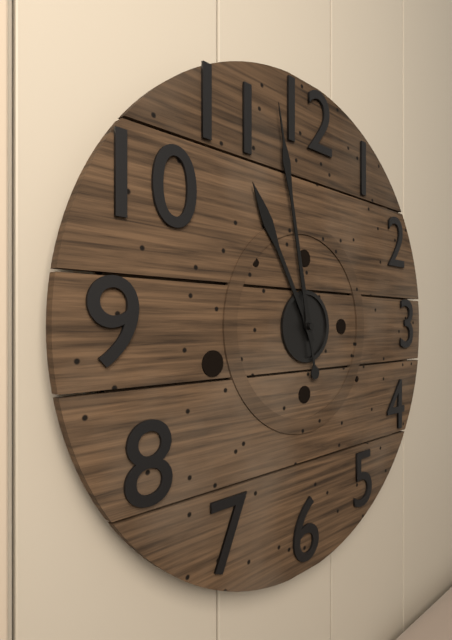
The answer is 10,58
